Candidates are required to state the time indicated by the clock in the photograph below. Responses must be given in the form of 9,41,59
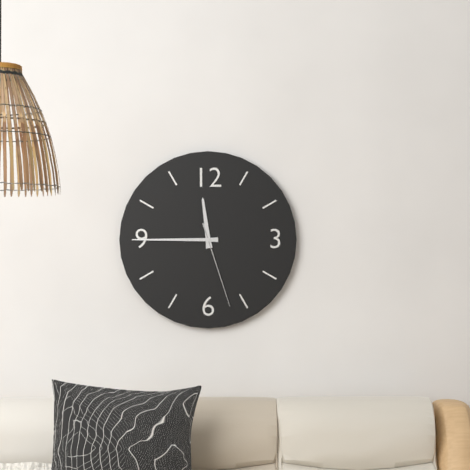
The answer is 11,45,27
